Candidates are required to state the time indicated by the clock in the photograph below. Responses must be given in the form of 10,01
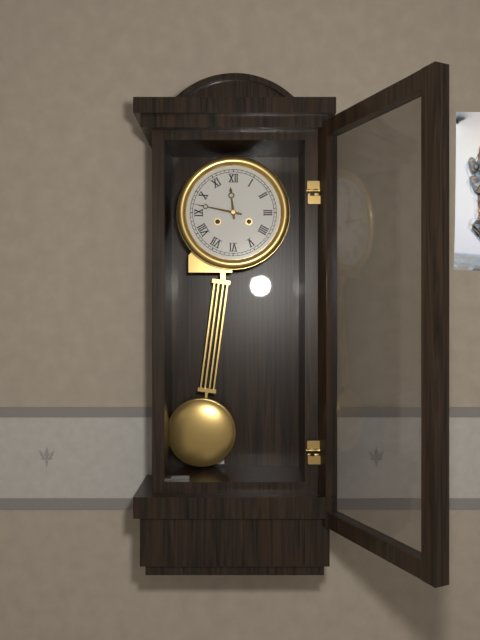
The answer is 11,47
